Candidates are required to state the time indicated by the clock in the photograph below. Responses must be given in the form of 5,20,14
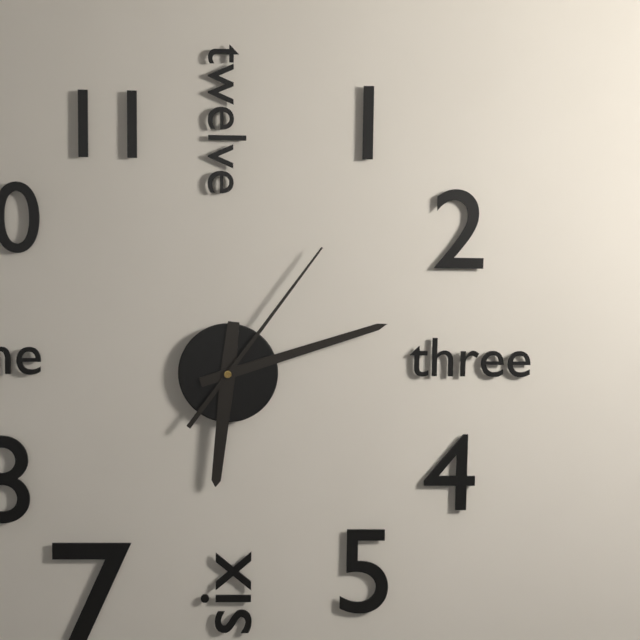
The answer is 6,12,06
